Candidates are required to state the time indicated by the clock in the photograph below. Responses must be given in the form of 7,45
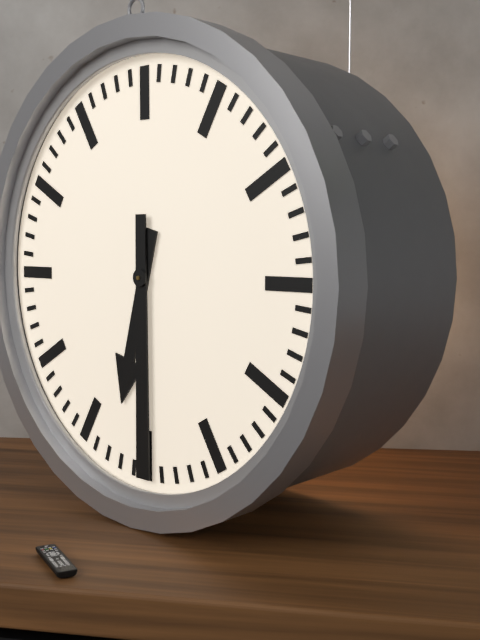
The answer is 6,30
